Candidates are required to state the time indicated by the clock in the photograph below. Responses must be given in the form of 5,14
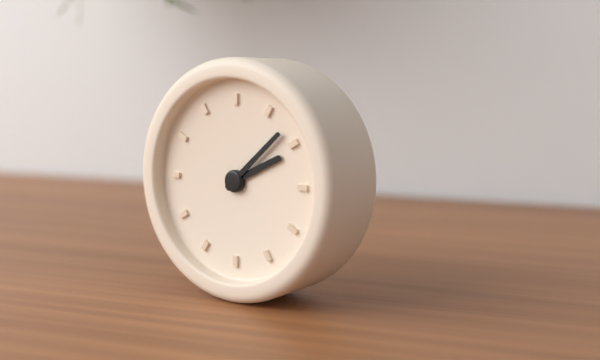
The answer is 2,08
